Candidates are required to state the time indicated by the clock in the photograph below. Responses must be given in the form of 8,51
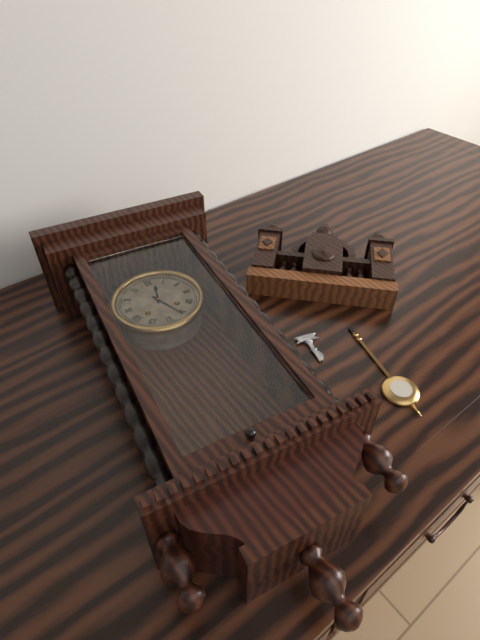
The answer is 12,26
